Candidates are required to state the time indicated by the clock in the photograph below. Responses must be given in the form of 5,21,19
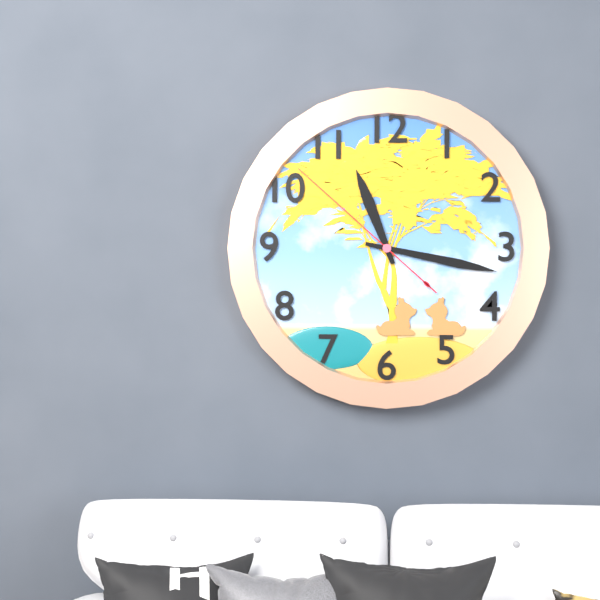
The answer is 11,17,52
